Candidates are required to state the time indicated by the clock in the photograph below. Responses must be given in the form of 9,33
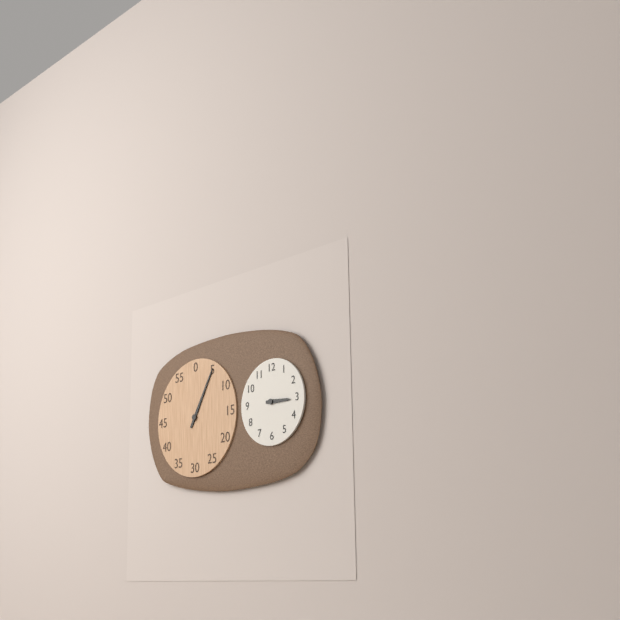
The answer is 3,05
